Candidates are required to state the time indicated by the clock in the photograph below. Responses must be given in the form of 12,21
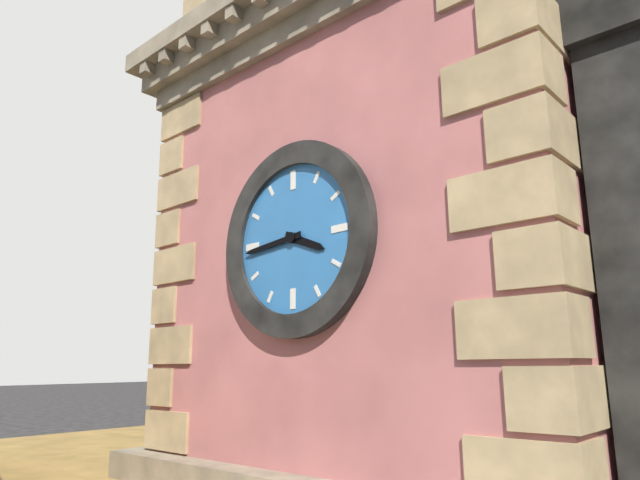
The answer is 3,44
